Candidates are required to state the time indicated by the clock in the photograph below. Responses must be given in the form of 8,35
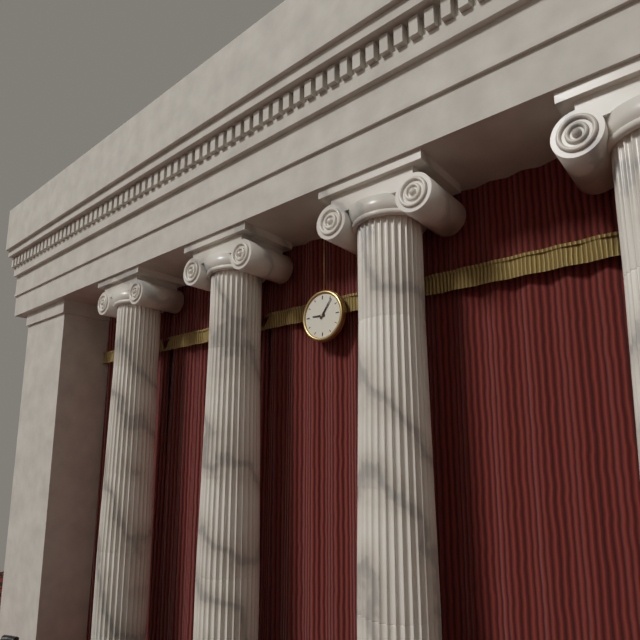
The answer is 9,06
